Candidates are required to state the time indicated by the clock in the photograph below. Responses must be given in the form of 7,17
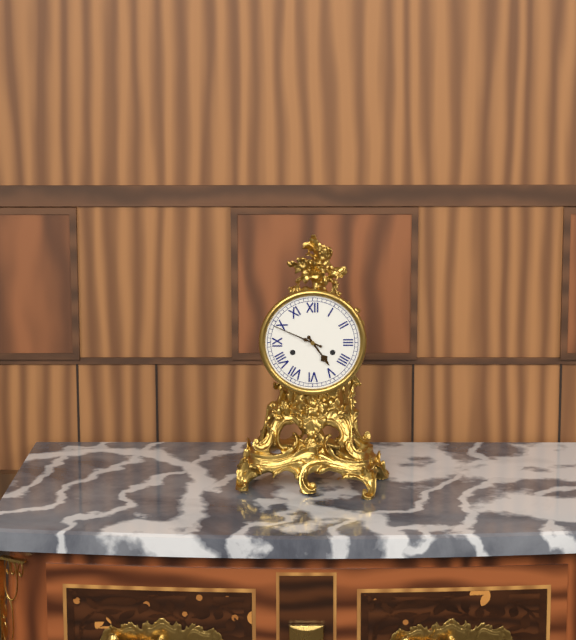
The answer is 4,49
